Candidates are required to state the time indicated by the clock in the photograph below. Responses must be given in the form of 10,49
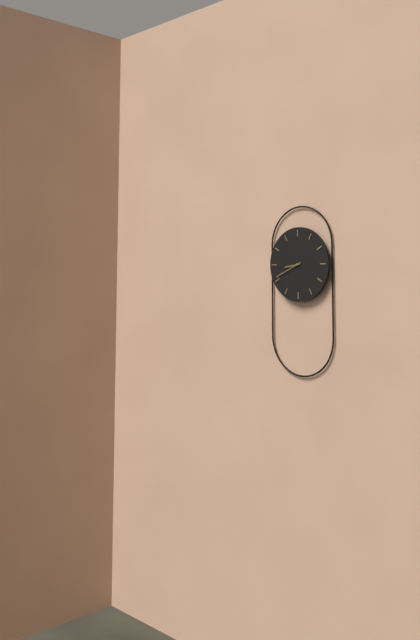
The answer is 8,41
